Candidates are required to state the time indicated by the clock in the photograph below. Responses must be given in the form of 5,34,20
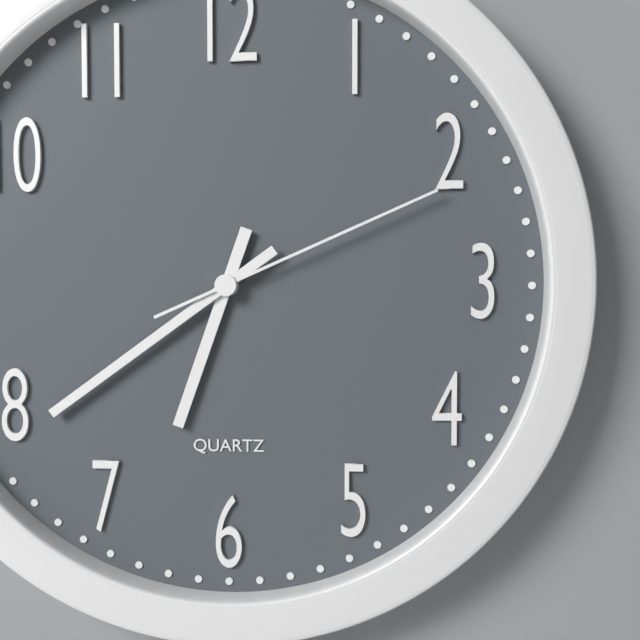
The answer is 6,39,11
